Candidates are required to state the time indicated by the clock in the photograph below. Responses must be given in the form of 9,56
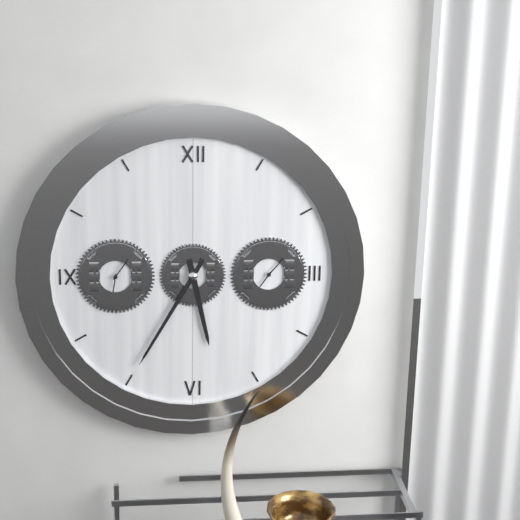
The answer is 5,35
